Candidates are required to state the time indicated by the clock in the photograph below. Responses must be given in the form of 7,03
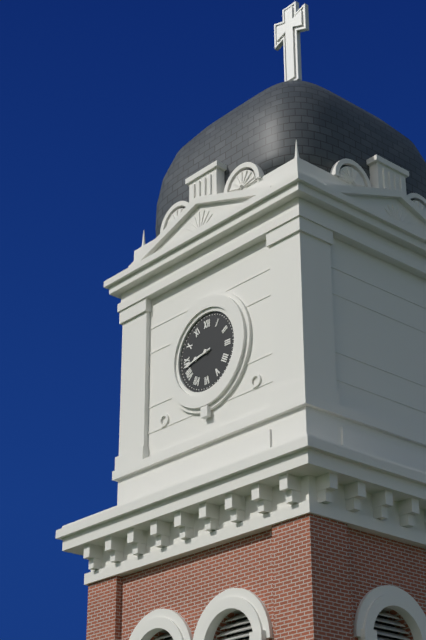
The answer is 8,43
